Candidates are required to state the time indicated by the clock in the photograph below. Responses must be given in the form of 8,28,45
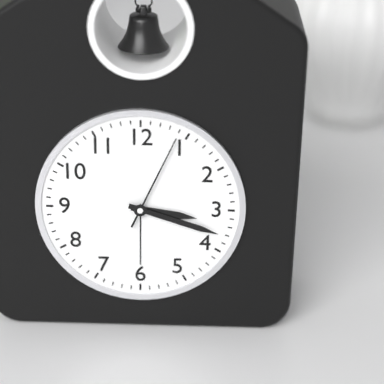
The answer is 3,18,04
